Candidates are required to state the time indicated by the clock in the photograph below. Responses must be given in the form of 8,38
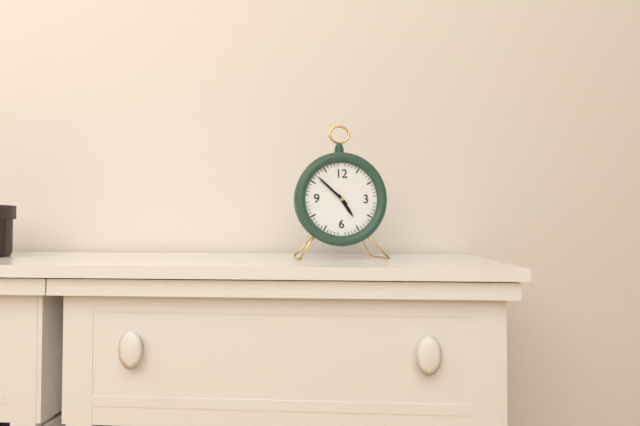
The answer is 4,52
